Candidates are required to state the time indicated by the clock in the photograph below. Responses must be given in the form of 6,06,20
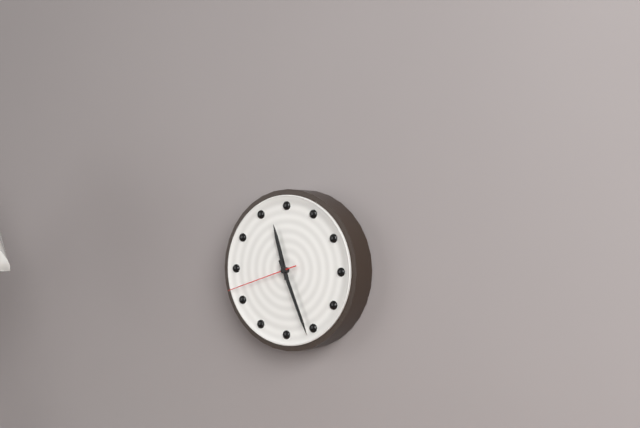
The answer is 11,26,42
